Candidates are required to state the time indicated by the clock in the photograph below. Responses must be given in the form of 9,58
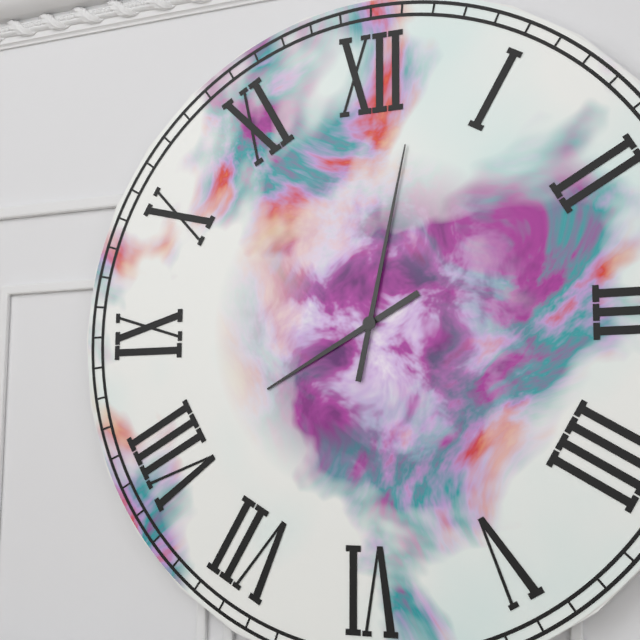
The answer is 8,02
